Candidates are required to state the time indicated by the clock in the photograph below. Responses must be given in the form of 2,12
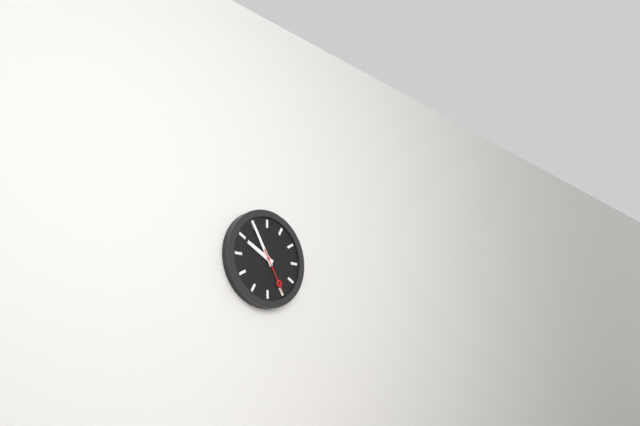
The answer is 9,55
